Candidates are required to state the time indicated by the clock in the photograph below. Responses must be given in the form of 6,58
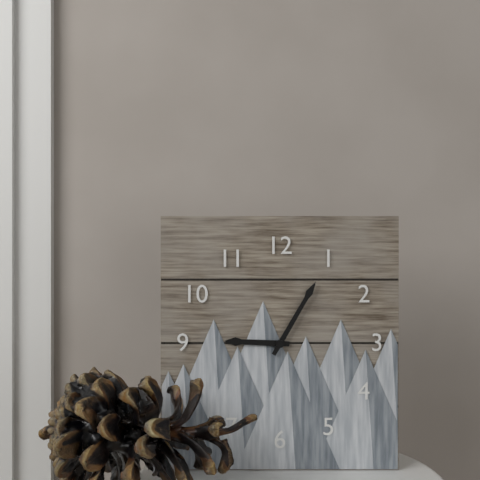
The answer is 9,05
